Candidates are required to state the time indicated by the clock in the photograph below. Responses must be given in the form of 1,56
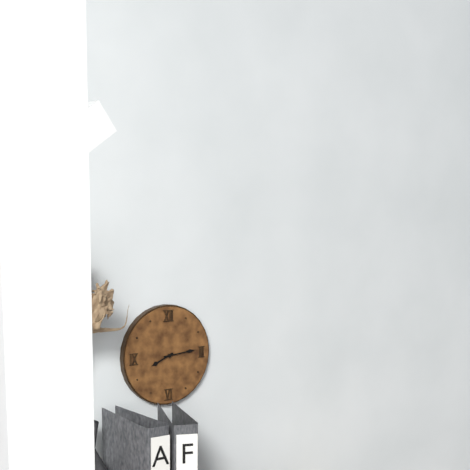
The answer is 8,14
